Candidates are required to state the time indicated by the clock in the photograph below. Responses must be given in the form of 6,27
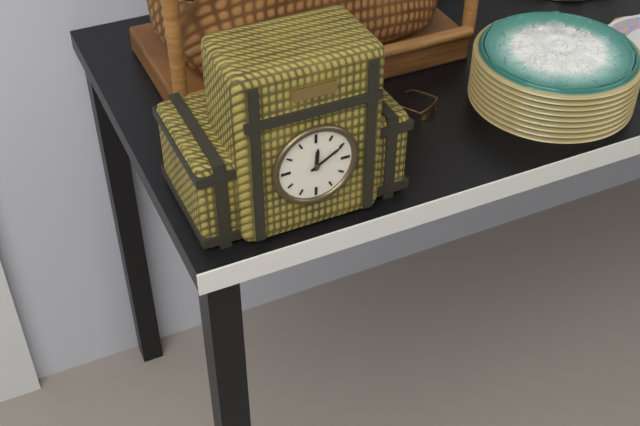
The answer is 12,10
